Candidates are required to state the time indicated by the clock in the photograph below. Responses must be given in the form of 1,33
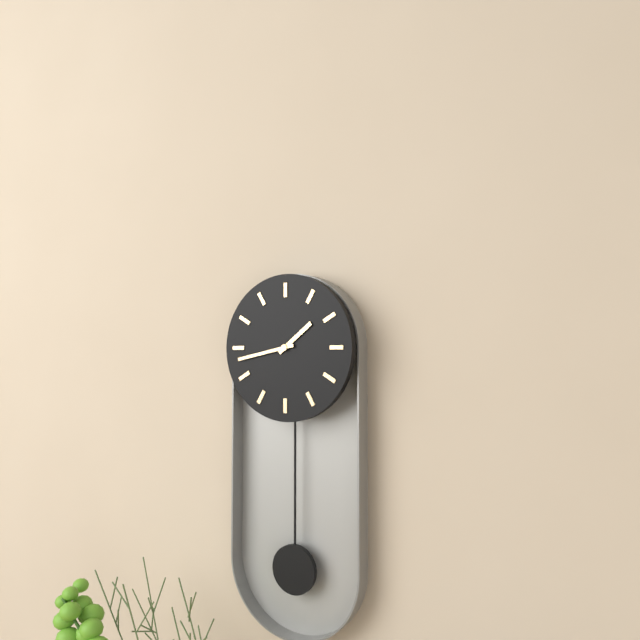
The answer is 1,43
